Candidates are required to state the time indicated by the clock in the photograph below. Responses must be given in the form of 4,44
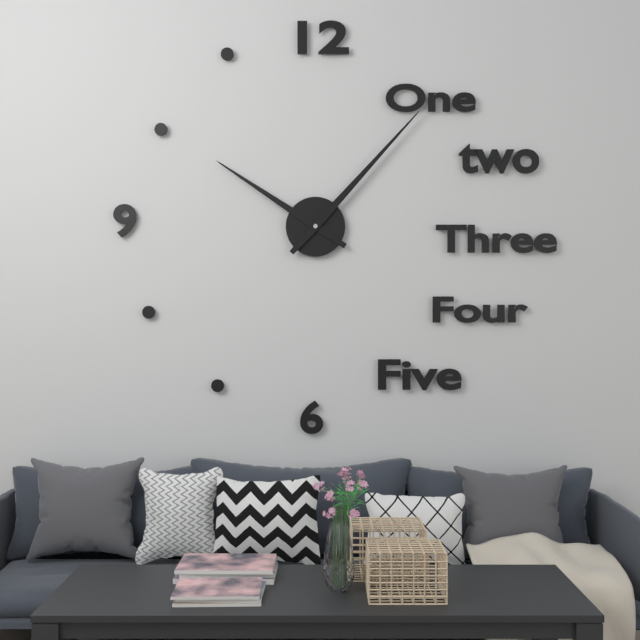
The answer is 10,07
